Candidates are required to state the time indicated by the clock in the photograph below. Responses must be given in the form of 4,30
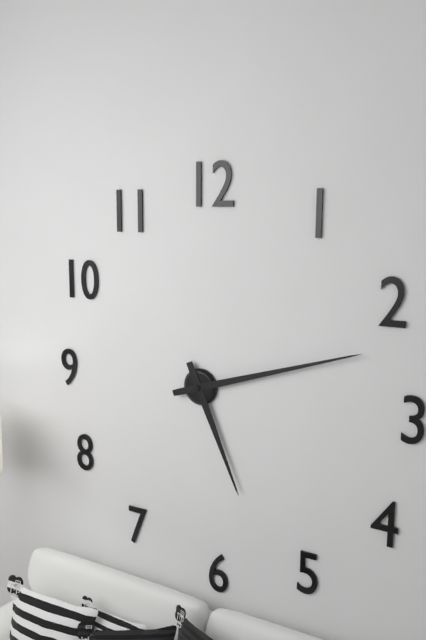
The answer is 5,12
